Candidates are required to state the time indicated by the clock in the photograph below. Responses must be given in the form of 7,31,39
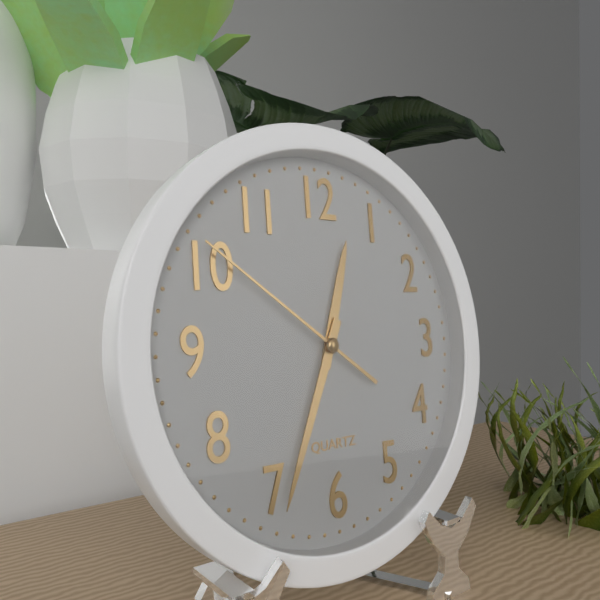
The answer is 12,34,51
